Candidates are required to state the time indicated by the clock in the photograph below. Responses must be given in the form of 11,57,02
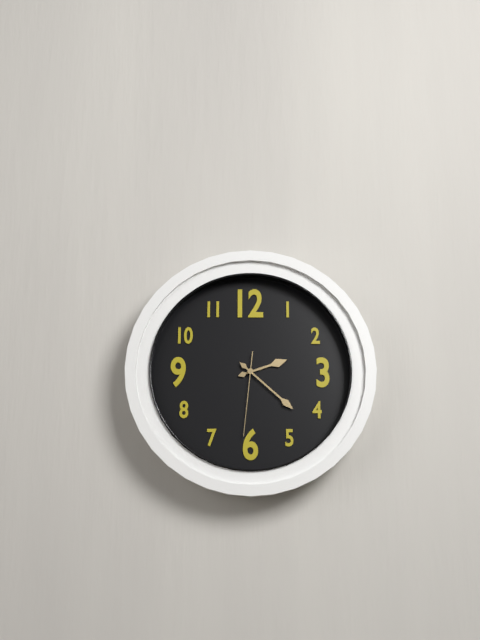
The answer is 2,22,31
